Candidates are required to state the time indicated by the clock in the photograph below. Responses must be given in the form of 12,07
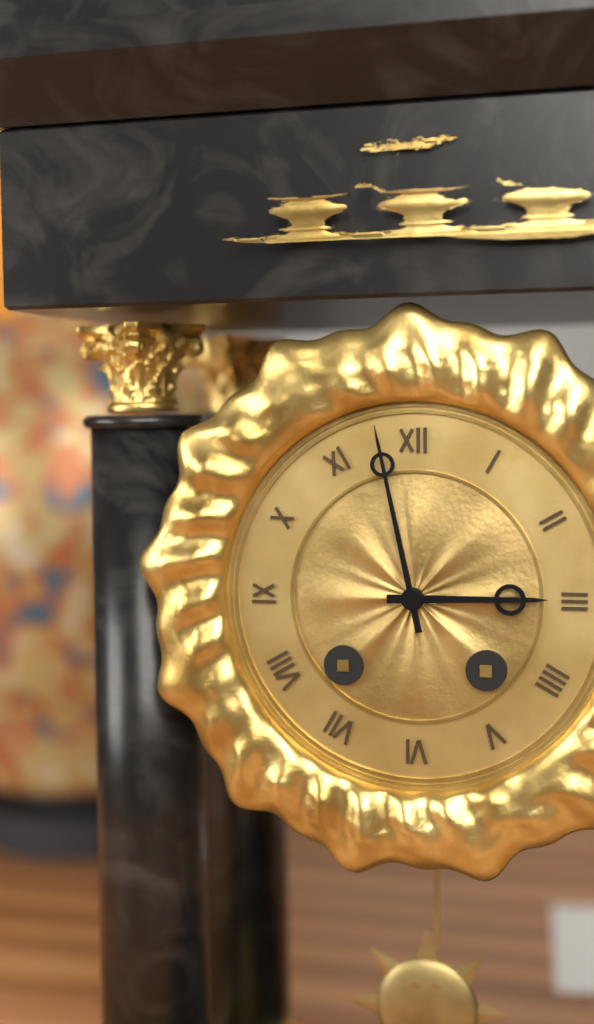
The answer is 2,58
